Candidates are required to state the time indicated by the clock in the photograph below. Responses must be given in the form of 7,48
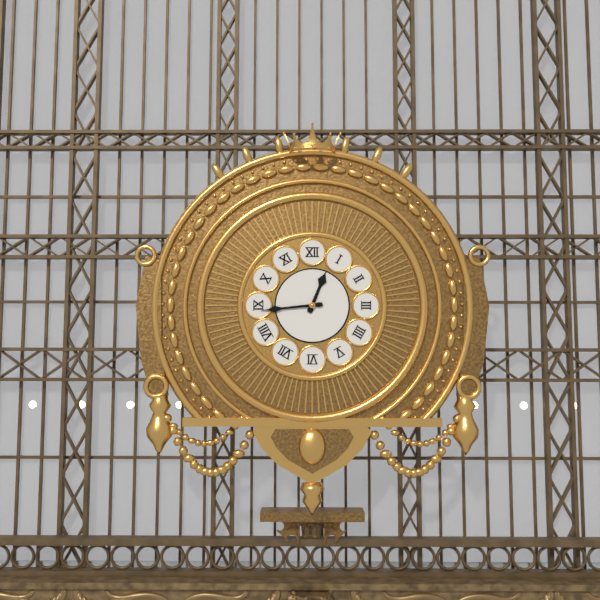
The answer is 12,44
